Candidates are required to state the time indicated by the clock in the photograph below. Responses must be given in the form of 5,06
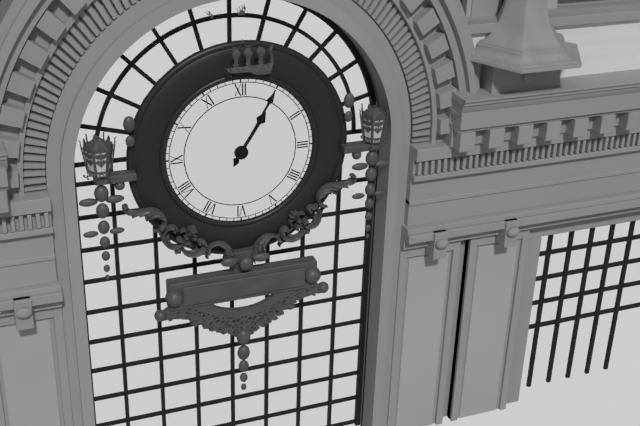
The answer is 1,05
